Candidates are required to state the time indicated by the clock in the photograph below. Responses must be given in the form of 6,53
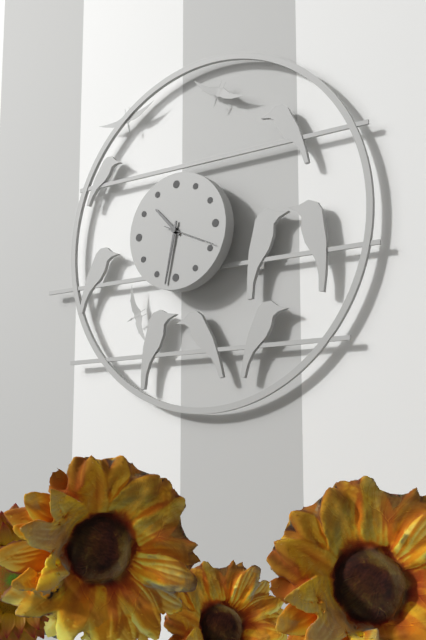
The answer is 10,32
